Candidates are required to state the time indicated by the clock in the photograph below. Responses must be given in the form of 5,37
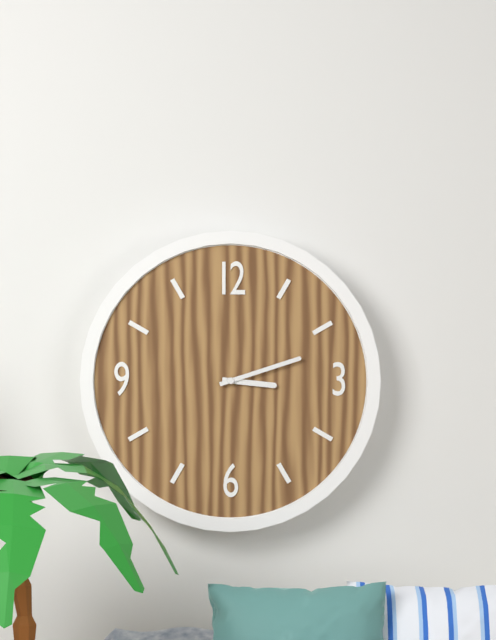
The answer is 3,12
